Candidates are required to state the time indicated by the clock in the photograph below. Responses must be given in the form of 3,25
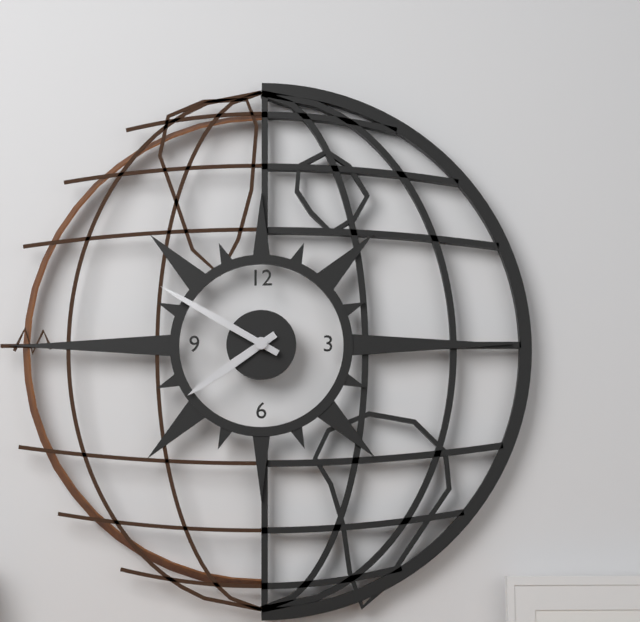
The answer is 7,50
